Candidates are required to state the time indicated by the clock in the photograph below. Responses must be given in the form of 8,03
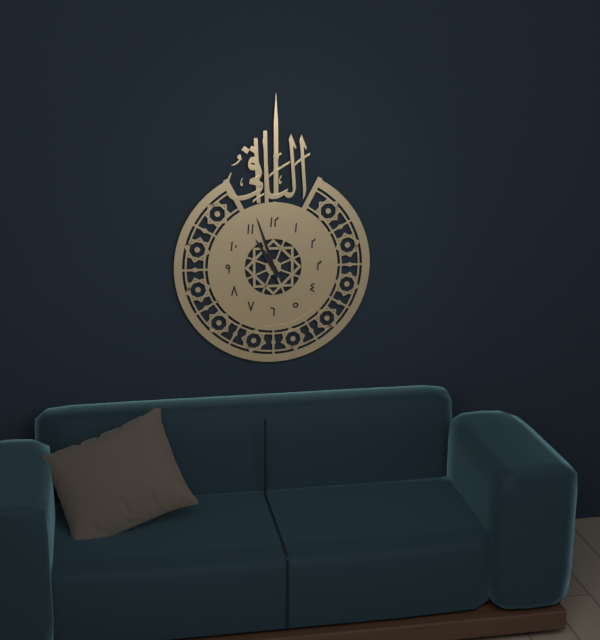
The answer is 10,57
